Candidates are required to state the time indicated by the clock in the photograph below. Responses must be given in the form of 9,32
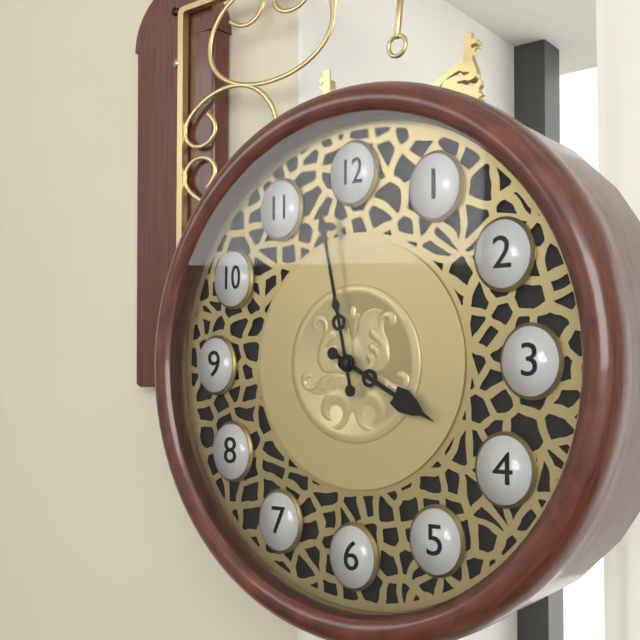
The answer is 3,58
